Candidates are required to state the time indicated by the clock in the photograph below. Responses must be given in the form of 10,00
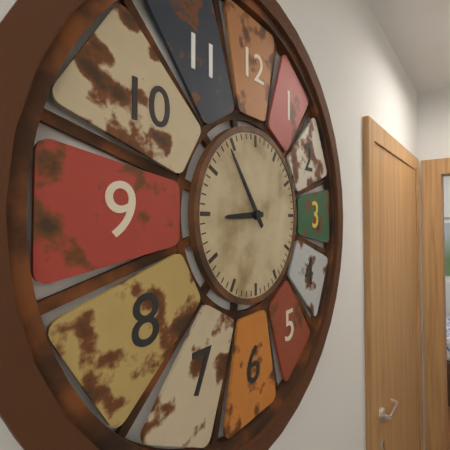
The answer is 8,54
